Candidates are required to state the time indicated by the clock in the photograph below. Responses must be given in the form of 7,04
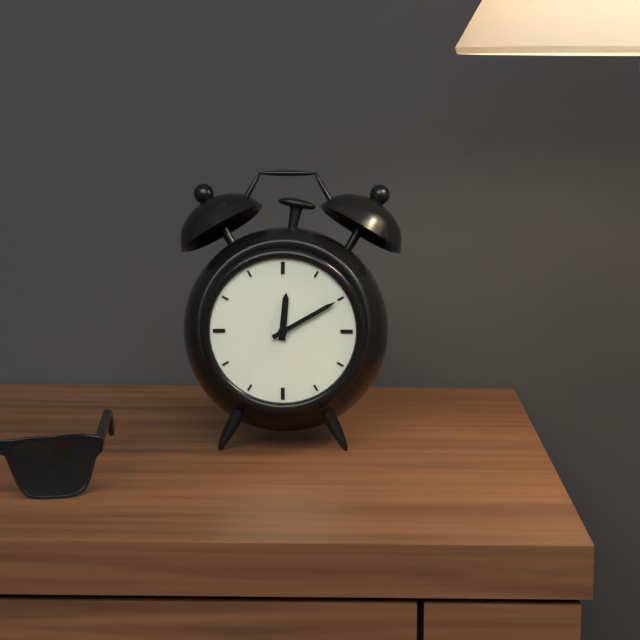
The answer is 12,10
